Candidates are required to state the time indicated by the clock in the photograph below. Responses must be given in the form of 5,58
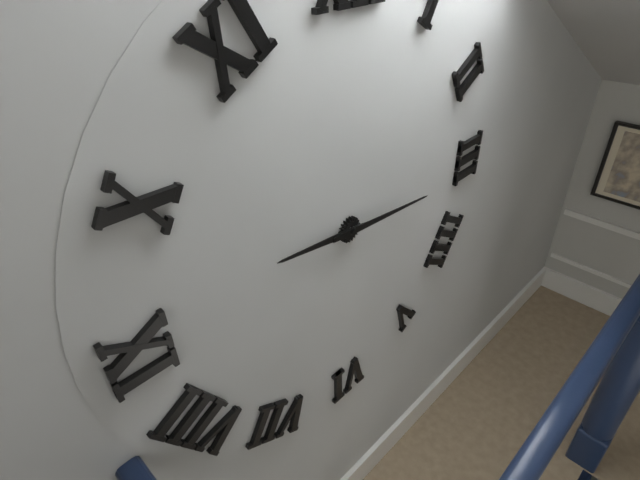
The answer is 9,16
